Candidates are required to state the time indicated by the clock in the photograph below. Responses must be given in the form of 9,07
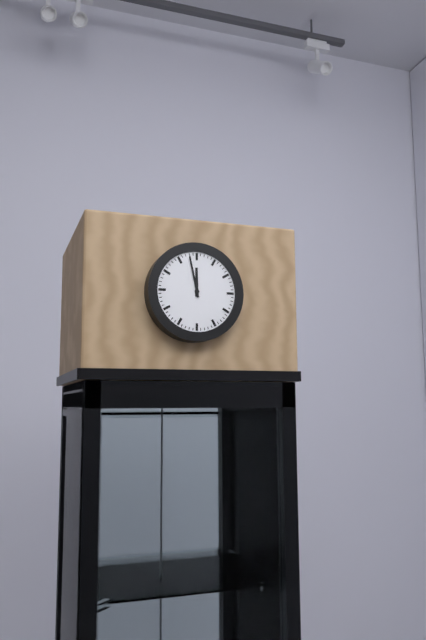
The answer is 11,58
